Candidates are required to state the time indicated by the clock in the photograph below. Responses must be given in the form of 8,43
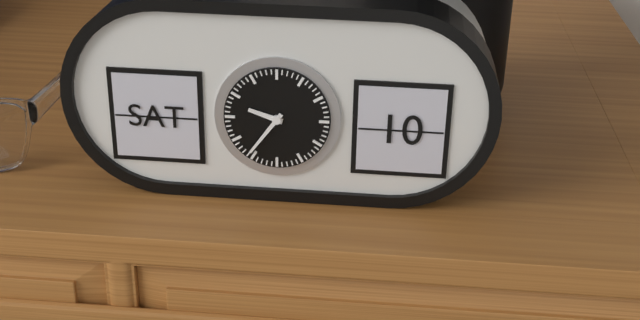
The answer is 9,36
